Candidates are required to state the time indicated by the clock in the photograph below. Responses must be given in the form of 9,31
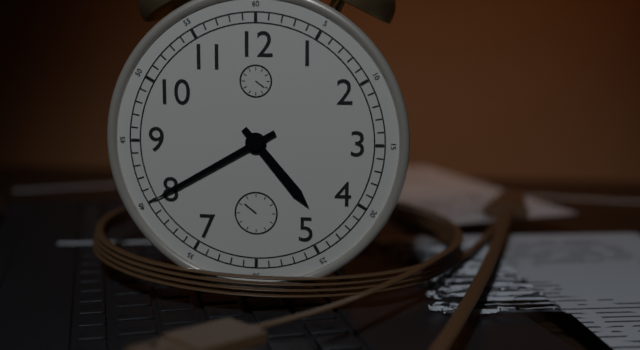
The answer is 4,40
